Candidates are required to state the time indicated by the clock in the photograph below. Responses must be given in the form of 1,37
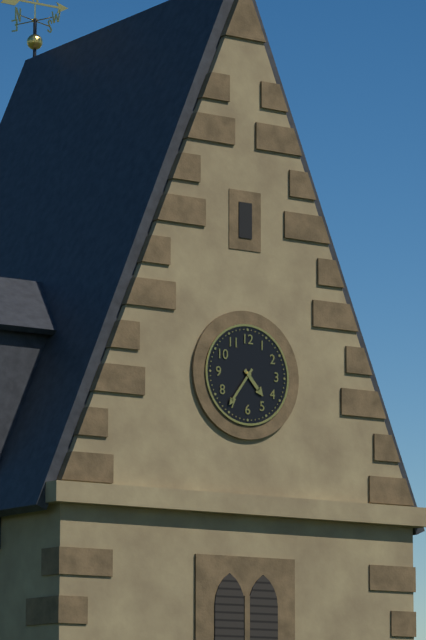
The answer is 4,36
